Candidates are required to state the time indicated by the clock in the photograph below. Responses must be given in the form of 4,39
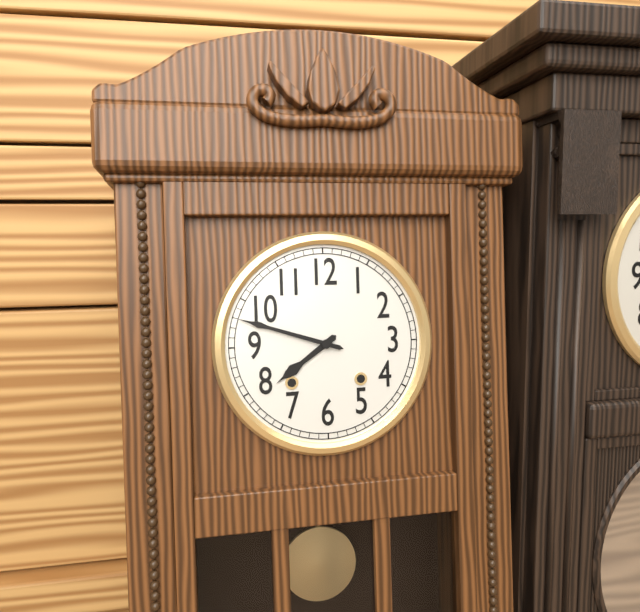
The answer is 7,48
